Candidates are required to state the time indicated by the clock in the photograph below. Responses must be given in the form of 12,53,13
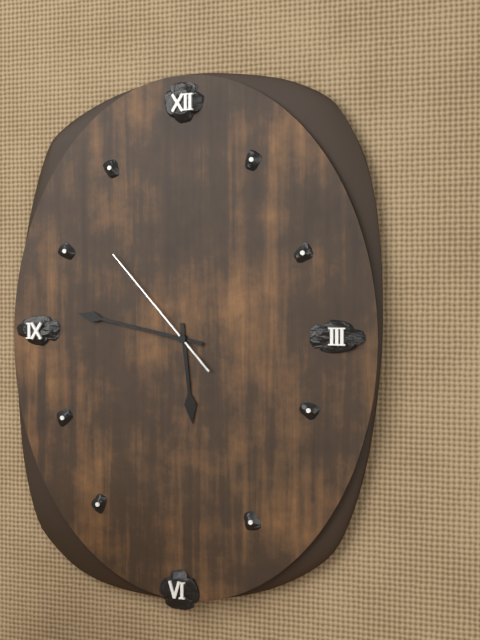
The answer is 5,47,53
